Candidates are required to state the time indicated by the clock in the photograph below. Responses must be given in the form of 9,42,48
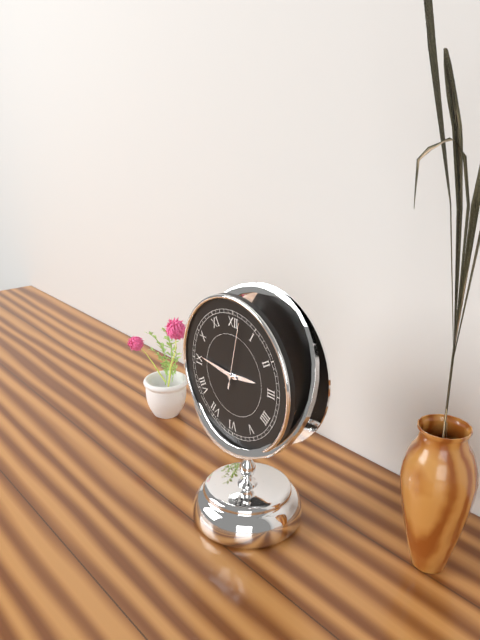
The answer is 2,46,02
